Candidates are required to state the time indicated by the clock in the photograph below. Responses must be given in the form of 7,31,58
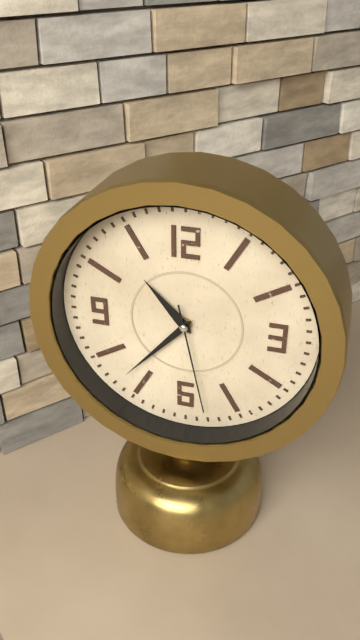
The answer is 10,37,28
